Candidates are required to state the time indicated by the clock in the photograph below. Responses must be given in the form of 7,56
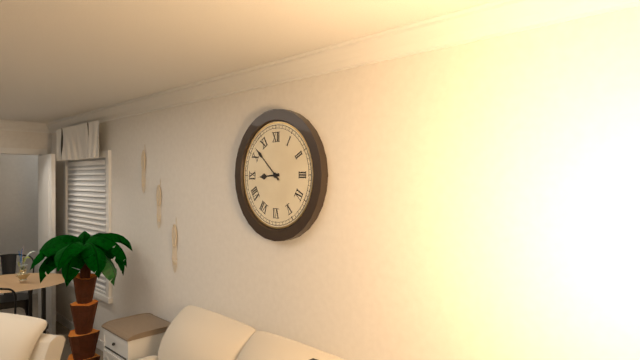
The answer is 8,52
